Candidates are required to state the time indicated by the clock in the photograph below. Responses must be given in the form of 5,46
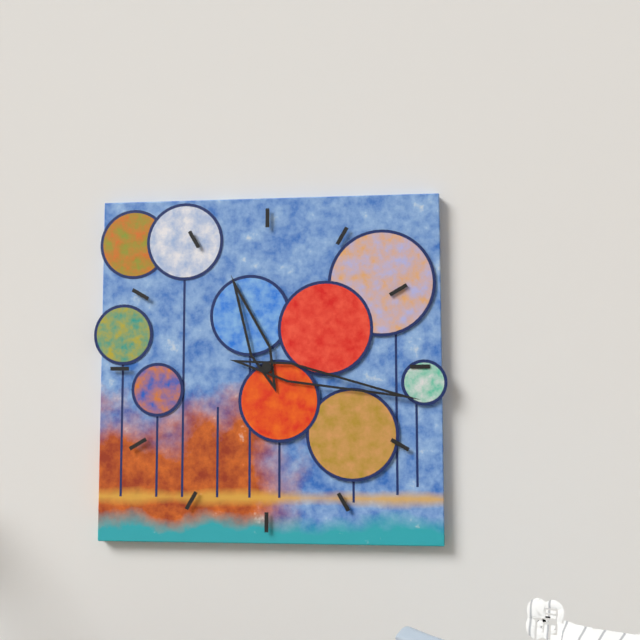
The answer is 11,17
